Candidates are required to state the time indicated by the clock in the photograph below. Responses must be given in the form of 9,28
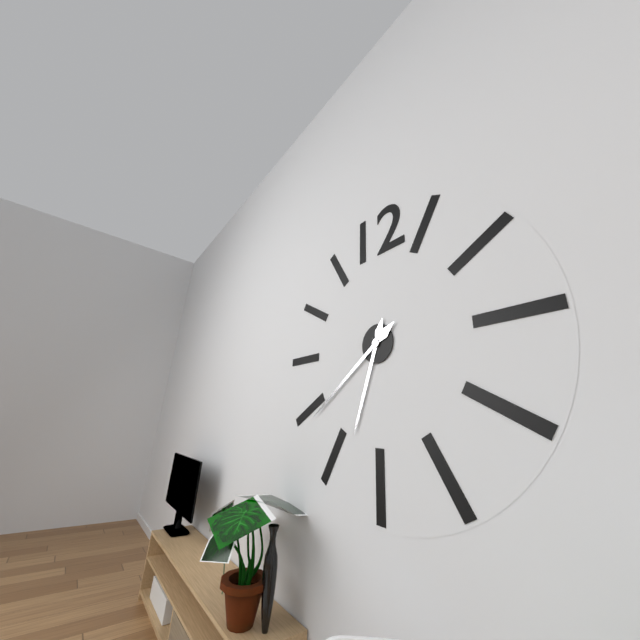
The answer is 6,39
